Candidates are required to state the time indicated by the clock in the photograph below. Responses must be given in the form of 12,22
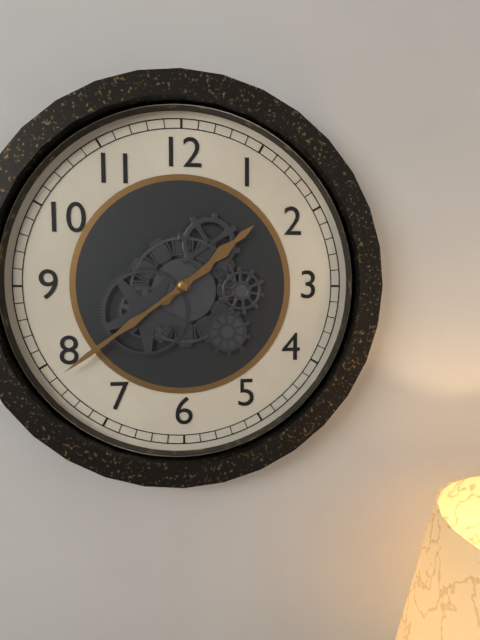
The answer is 1,39
